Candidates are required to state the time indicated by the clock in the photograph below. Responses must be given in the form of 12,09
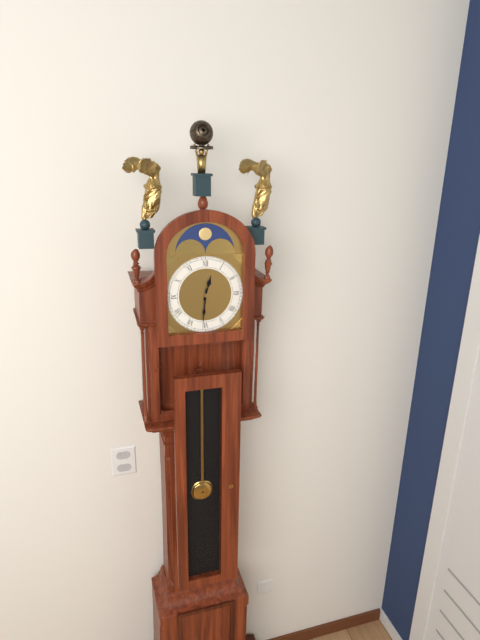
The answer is 12,31
